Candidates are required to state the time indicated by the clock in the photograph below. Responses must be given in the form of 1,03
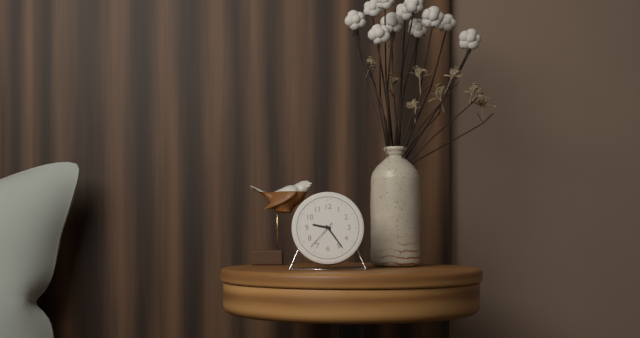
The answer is 9,24
